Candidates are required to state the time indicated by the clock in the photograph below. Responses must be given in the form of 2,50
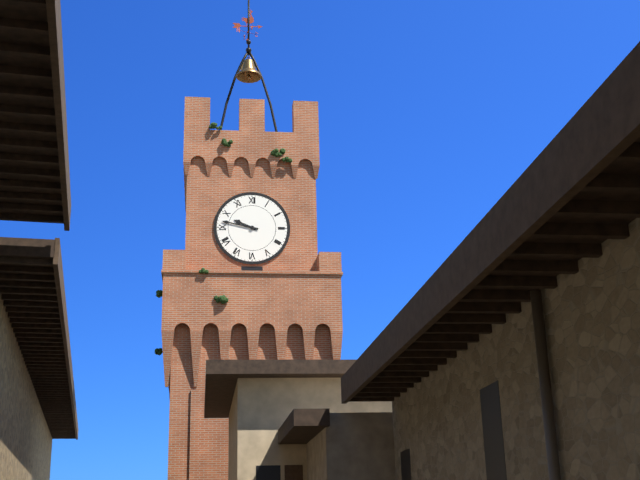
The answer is 9,47
